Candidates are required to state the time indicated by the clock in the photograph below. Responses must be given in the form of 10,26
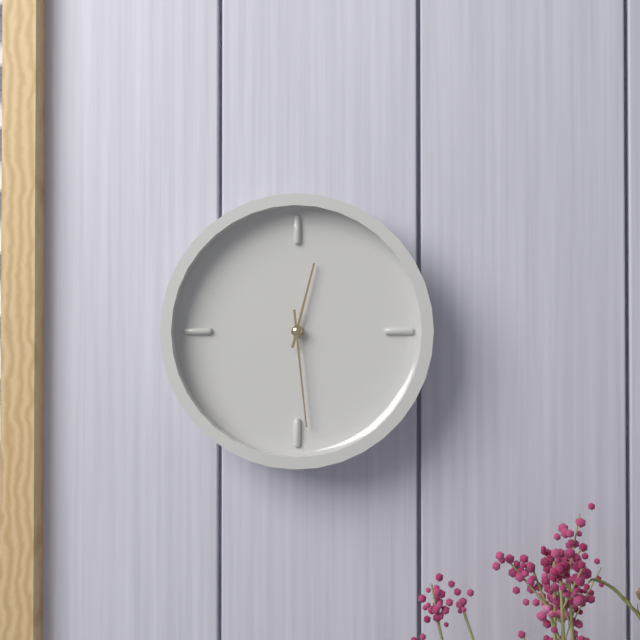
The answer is 12,29
